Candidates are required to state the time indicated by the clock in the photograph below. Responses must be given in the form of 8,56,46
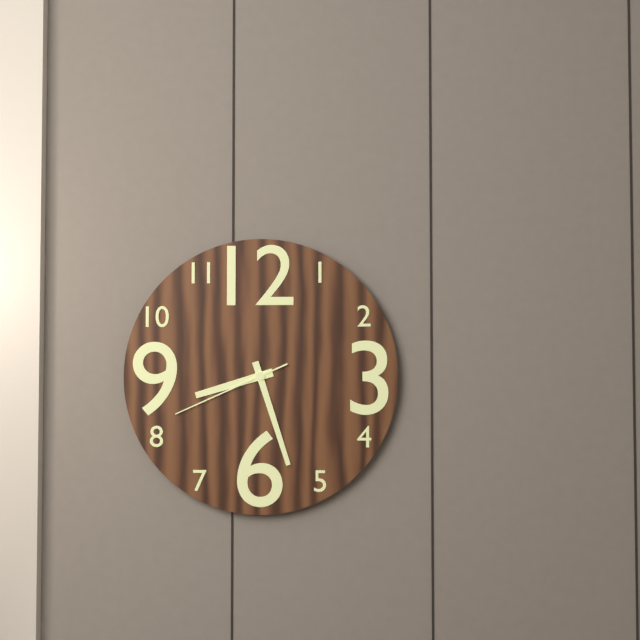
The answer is 8,27,41
